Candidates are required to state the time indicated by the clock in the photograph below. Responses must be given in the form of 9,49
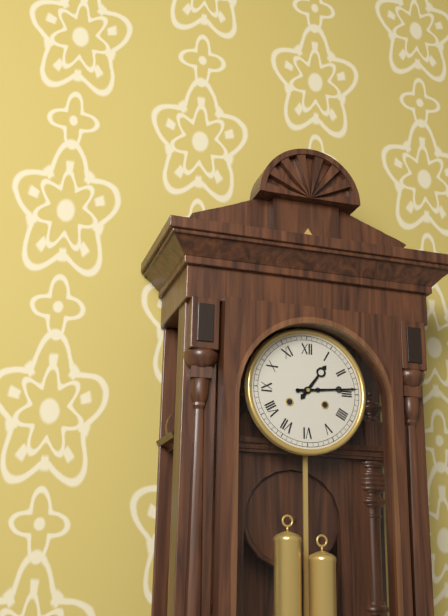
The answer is 1,14
